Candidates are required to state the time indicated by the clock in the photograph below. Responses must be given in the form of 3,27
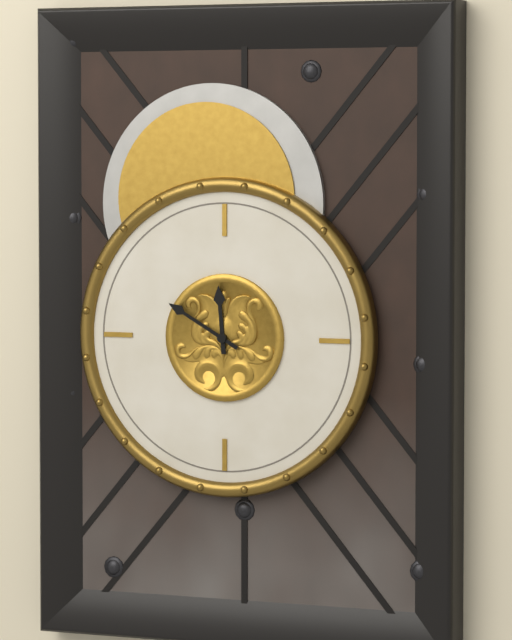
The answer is 11,50
